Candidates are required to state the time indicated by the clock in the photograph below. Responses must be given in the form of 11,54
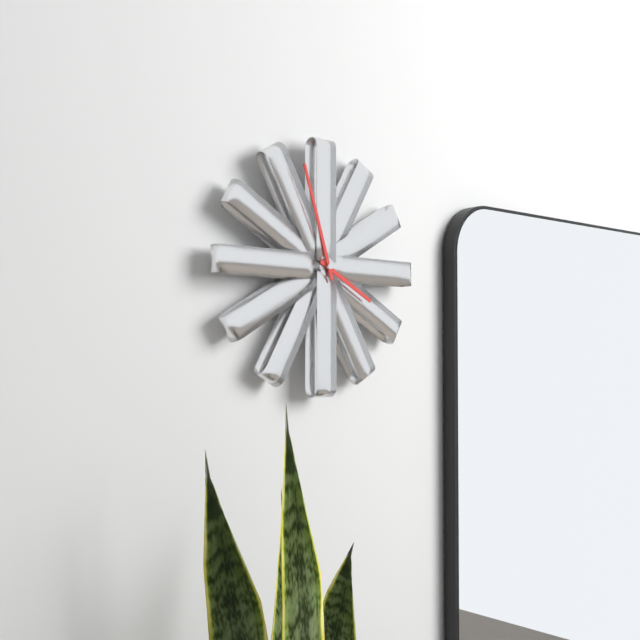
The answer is 3,57
